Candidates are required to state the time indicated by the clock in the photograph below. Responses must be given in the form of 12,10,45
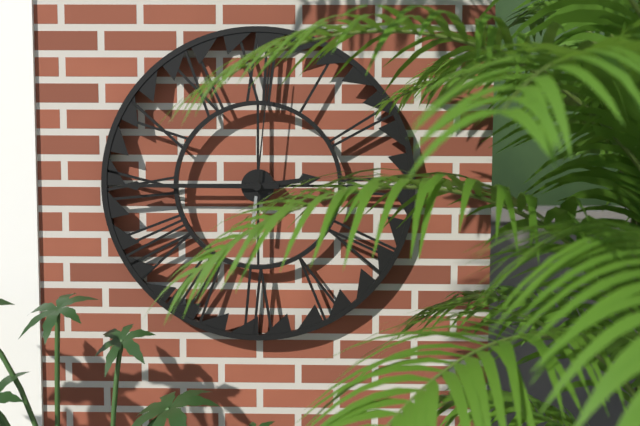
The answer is 2,45,01
